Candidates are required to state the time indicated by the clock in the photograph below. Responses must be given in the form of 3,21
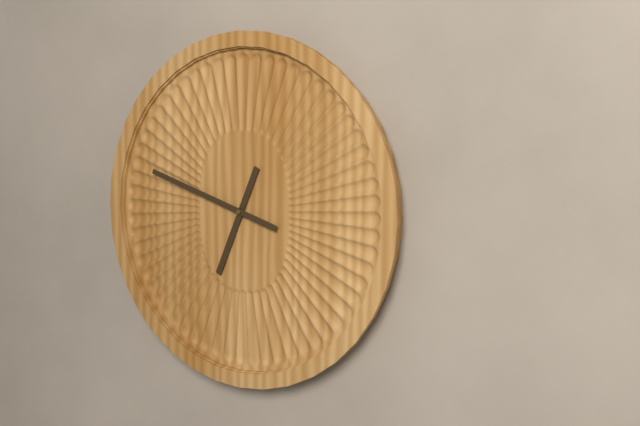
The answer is 6,48
